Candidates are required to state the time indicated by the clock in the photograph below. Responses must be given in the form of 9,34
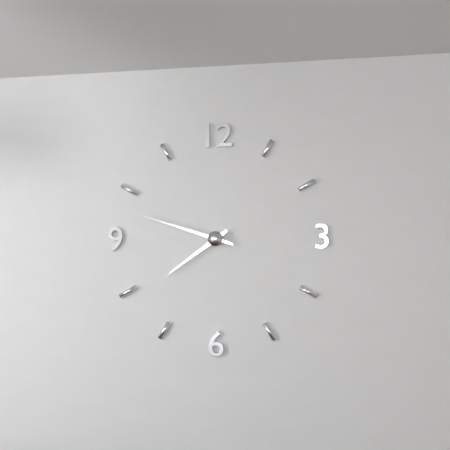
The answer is 7,48
